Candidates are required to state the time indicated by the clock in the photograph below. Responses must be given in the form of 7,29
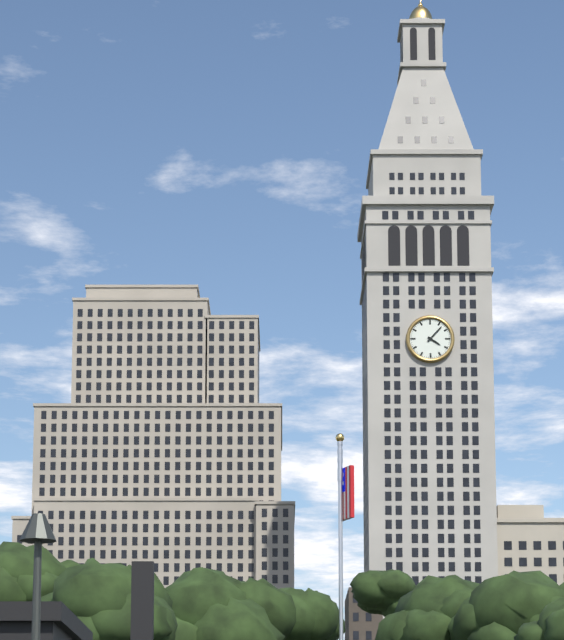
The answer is 4,07
